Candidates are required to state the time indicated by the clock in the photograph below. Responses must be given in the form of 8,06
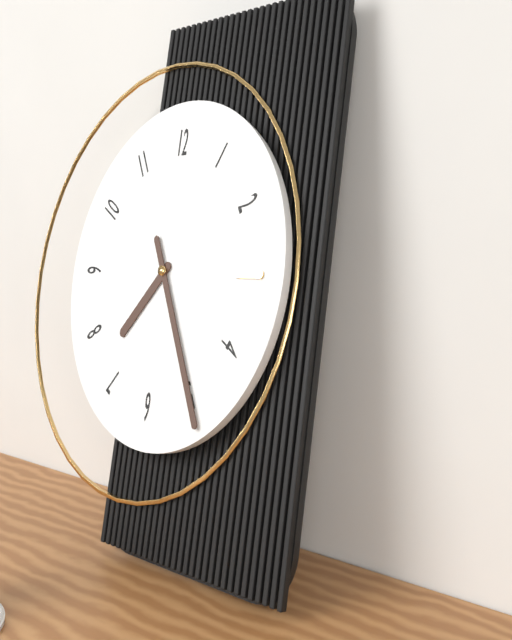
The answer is 7,25
